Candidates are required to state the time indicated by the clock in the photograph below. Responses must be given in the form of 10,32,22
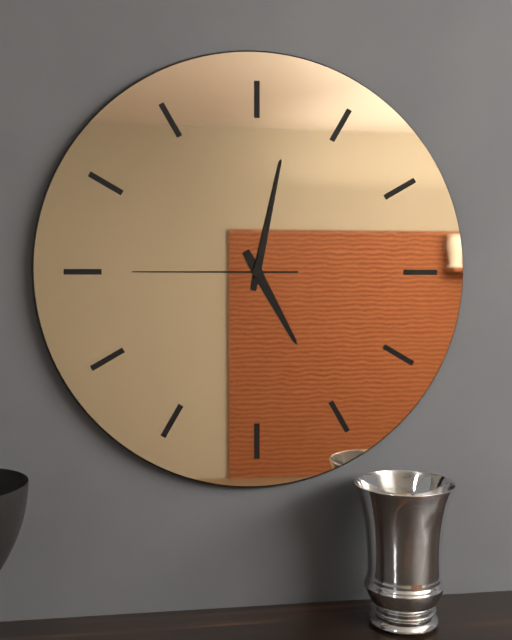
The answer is 5,02,45
